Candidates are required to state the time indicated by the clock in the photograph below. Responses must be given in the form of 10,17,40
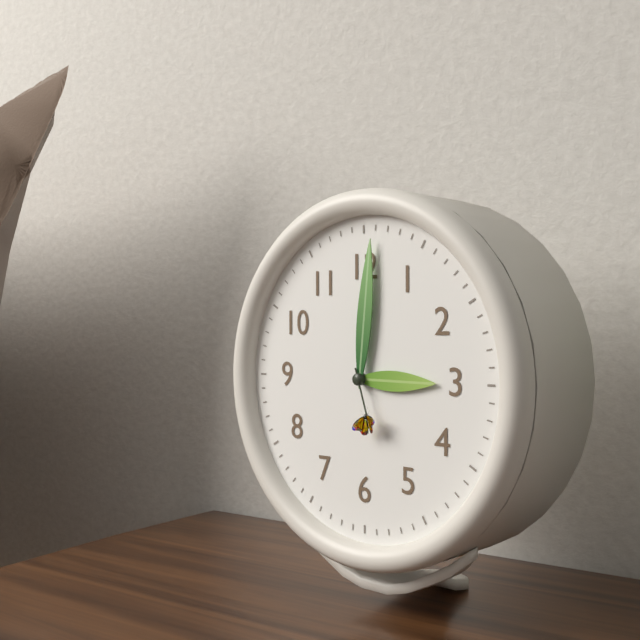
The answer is 3,01,27
